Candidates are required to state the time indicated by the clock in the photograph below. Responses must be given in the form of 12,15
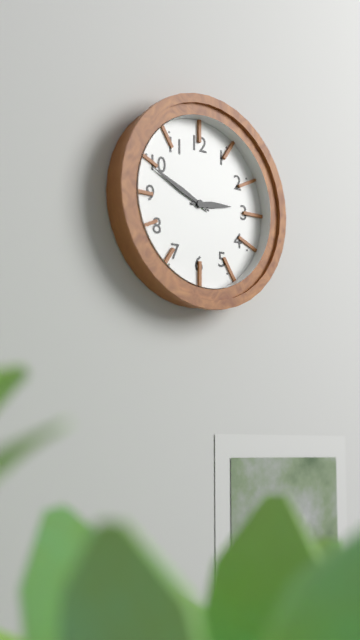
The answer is 2,49
